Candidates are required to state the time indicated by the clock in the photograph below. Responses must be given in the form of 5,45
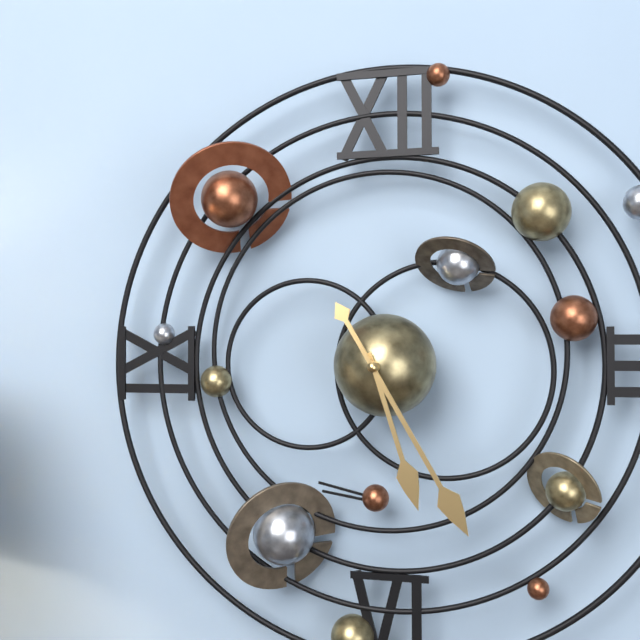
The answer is 5,25
